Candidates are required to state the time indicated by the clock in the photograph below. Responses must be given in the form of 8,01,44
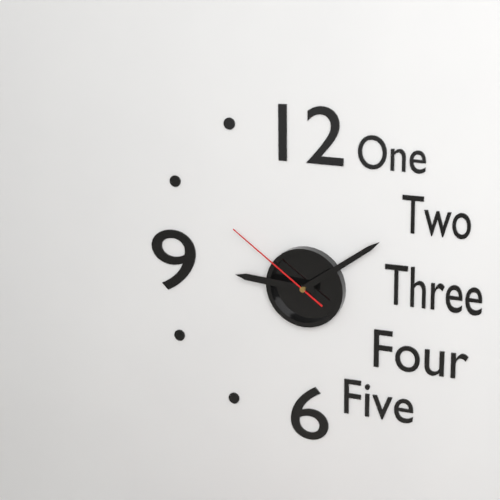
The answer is 9,09,51
